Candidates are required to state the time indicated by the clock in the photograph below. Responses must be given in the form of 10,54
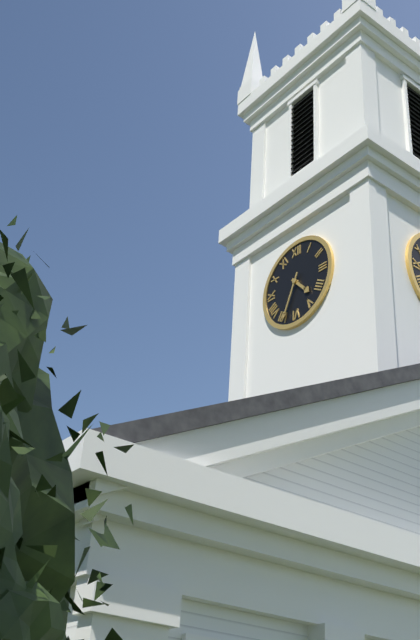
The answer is 4,34
